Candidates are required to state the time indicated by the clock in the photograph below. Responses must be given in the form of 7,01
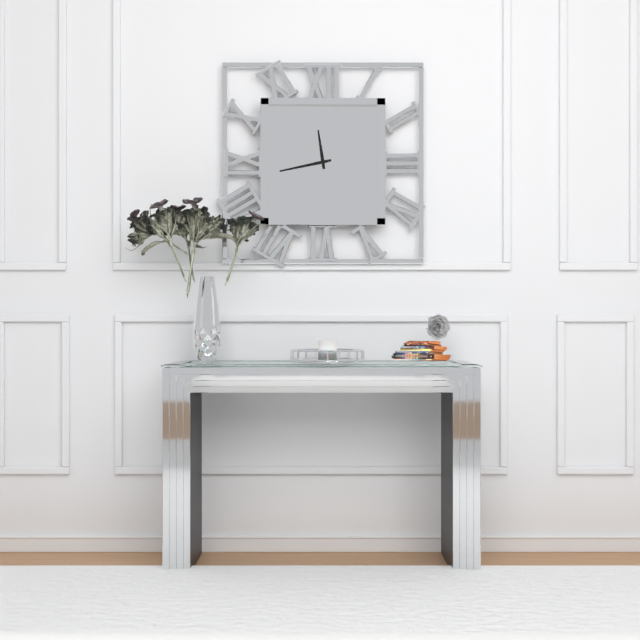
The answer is 11,43
